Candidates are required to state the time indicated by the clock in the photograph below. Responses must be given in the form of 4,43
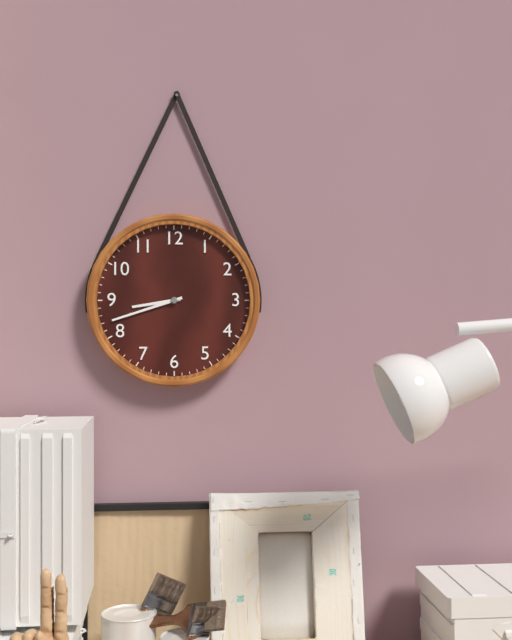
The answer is 8,42
